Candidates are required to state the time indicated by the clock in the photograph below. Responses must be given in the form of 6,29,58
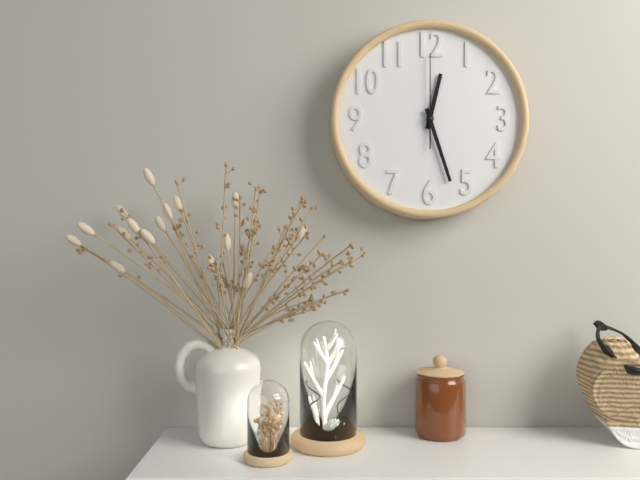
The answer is 12,27,00
